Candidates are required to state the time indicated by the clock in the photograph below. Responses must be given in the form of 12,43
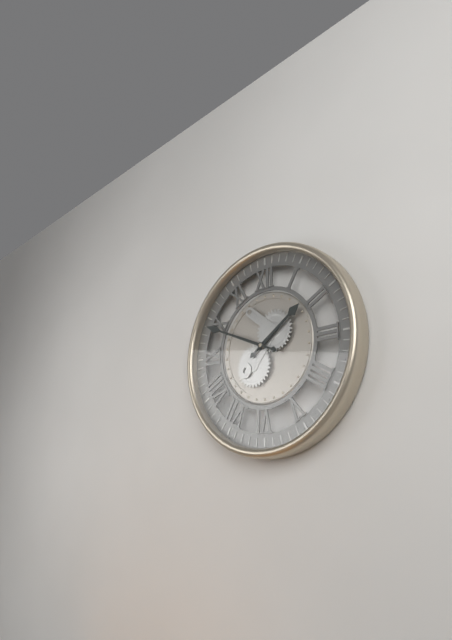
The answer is 1,49
